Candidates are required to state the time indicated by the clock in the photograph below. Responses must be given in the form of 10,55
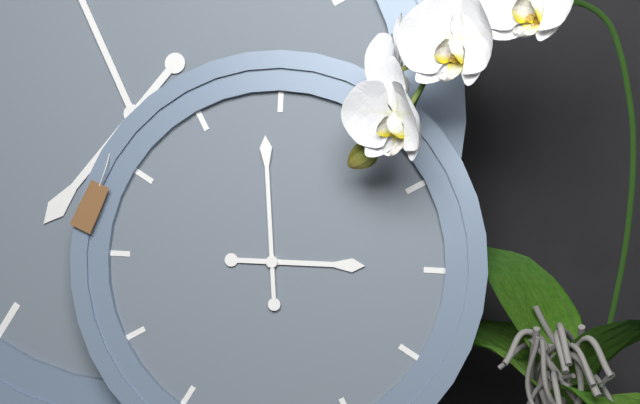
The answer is 2,59
